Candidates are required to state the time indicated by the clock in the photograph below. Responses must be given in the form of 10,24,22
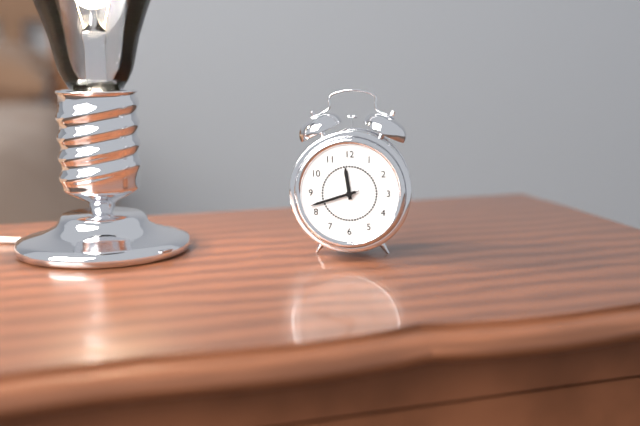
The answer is 11,42,42
